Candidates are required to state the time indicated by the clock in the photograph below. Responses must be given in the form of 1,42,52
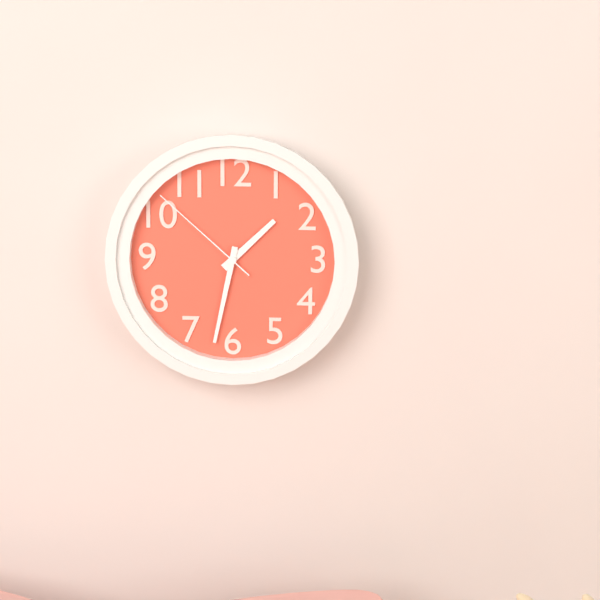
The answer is 1,32,52
